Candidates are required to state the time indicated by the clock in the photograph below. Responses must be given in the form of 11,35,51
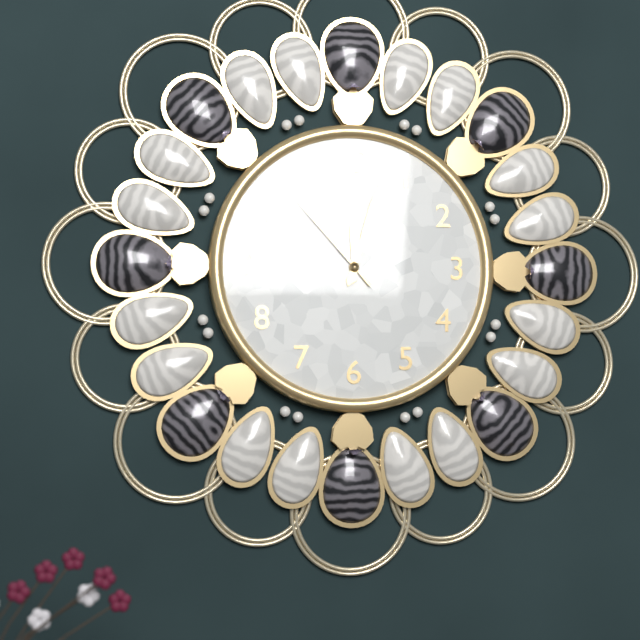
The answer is 12,03,53
